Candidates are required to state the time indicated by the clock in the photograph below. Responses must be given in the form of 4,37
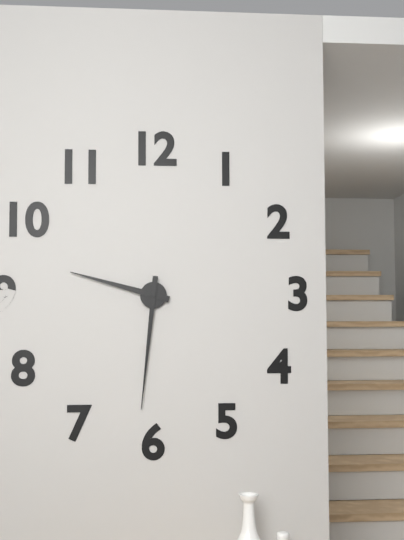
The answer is 9,31
